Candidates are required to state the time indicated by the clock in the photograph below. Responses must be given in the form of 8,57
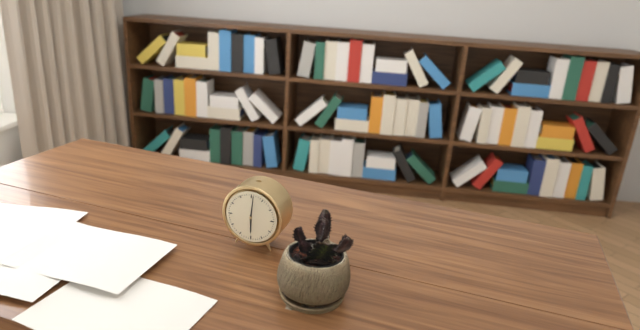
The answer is 6,01
